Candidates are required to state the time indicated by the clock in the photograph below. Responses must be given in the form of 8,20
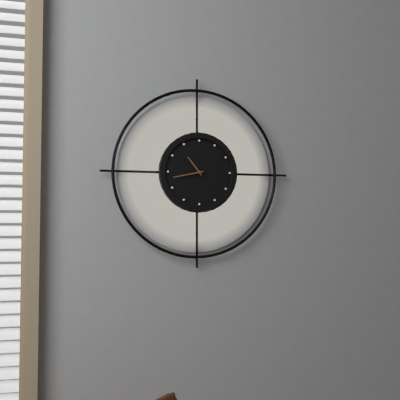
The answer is 10,43
